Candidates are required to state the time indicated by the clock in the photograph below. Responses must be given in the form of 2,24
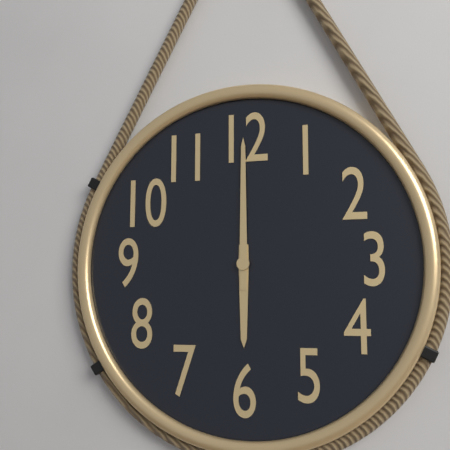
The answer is 6,00
